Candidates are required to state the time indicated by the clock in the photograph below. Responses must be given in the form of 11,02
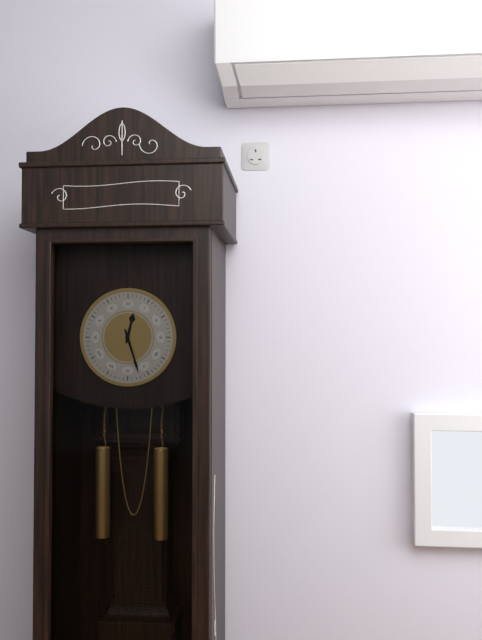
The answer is 12,27
